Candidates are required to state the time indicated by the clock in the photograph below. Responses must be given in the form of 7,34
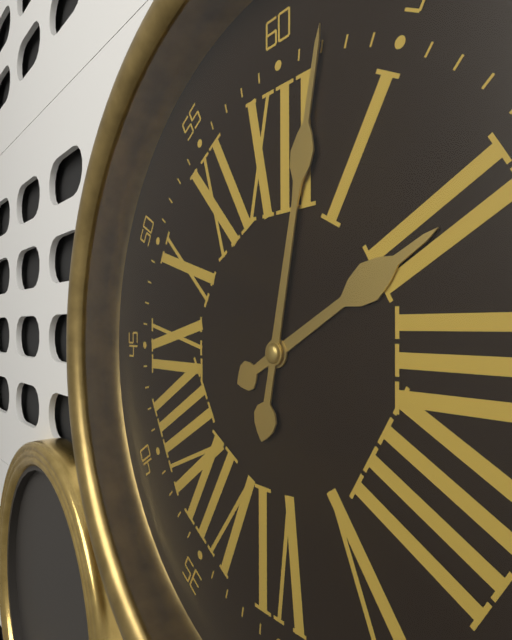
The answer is 2,02
